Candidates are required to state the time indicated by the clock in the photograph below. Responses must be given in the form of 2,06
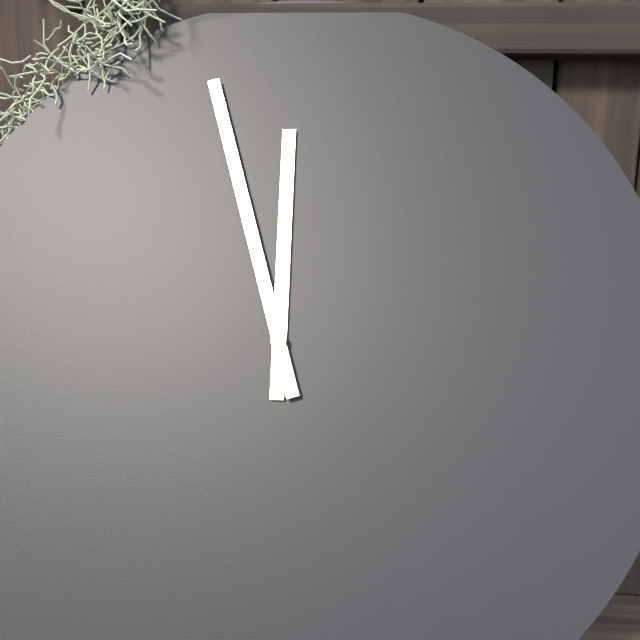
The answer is 11,57
